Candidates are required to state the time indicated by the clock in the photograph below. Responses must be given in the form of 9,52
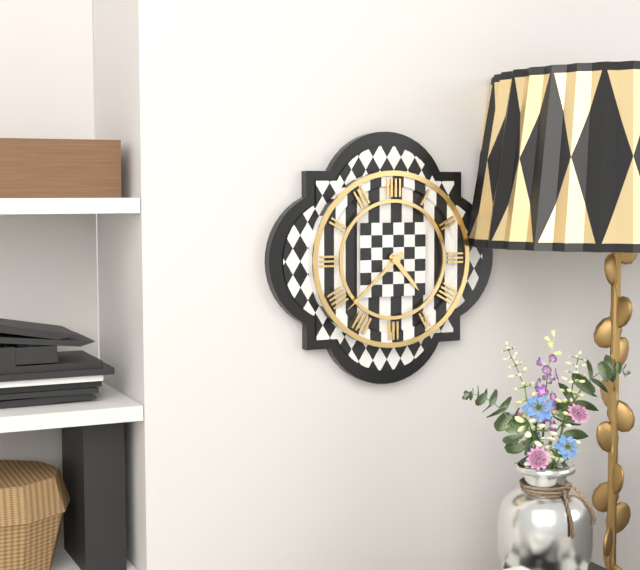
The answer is 4,38
